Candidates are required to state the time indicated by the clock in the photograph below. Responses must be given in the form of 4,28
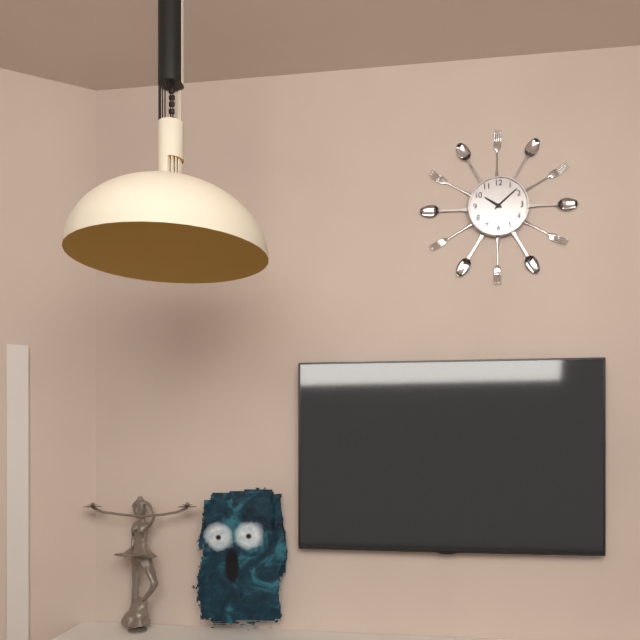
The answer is 10,08
